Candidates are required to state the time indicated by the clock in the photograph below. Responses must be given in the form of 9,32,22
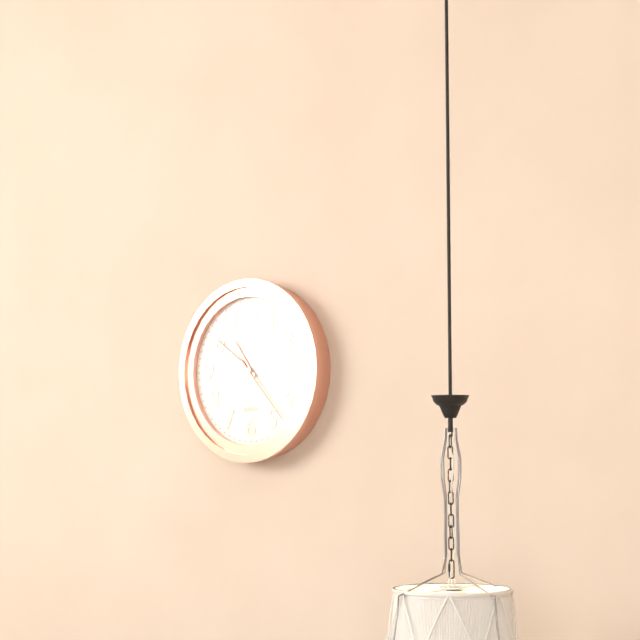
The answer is 10,51,23
